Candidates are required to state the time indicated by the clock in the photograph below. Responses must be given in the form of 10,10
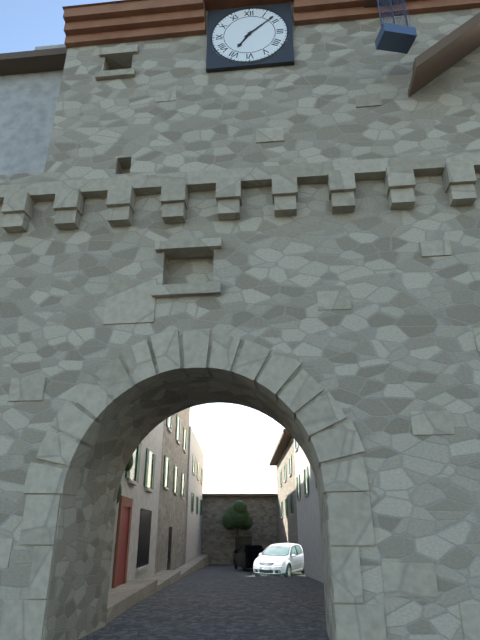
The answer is 7,08
